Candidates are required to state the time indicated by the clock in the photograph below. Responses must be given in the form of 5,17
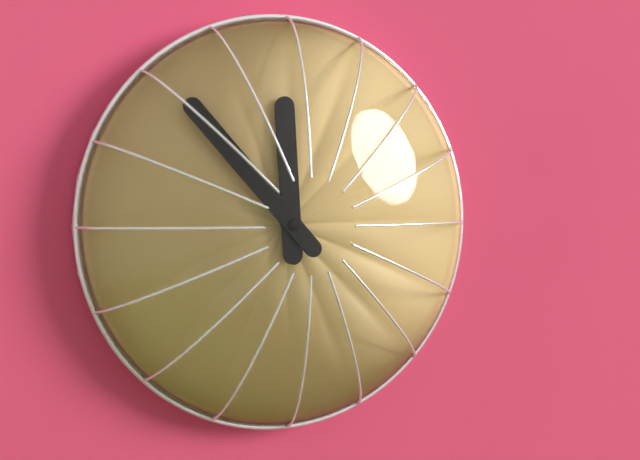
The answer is 11,53
